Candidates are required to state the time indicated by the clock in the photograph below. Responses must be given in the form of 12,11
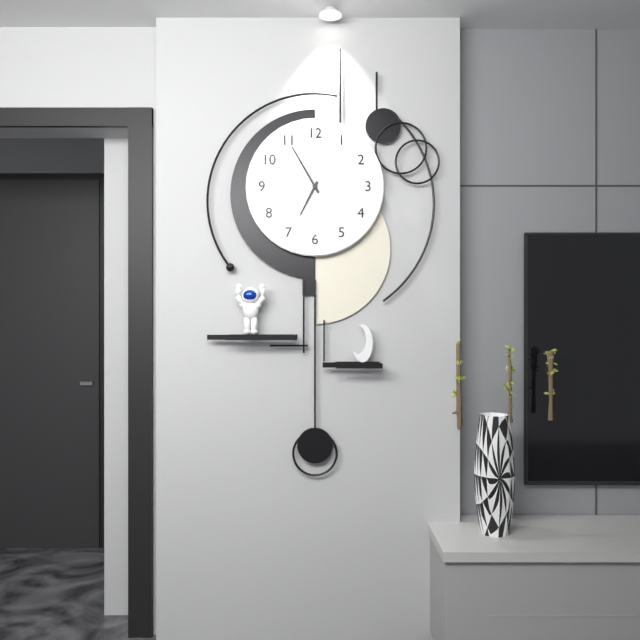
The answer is 6,55
